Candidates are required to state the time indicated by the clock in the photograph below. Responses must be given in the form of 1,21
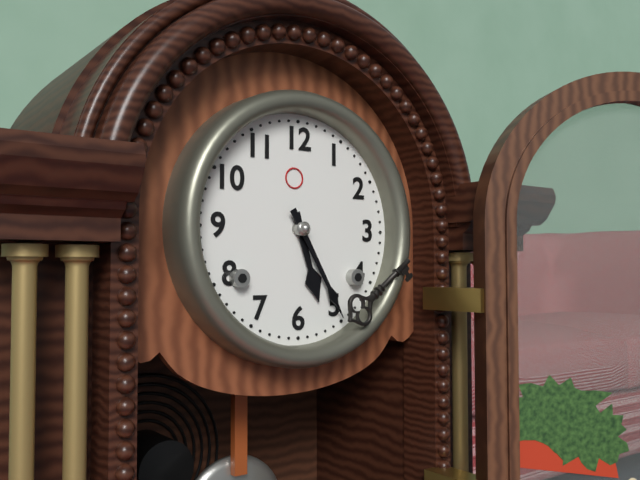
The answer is 5,25
